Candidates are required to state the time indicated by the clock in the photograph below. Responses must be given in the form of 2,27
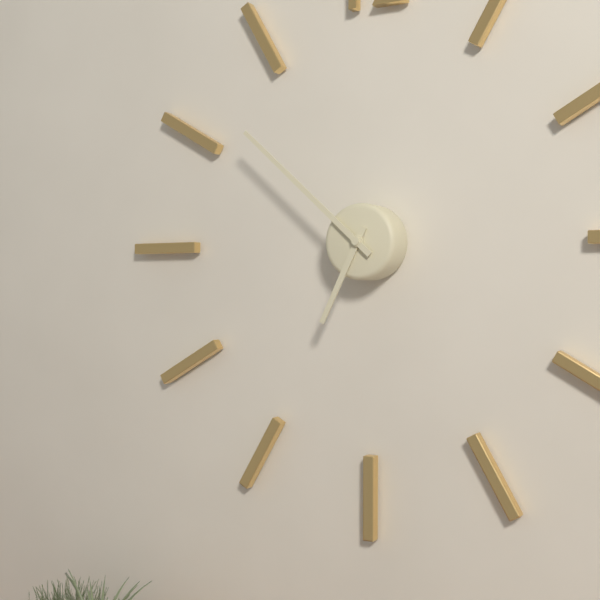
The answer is 6,52
